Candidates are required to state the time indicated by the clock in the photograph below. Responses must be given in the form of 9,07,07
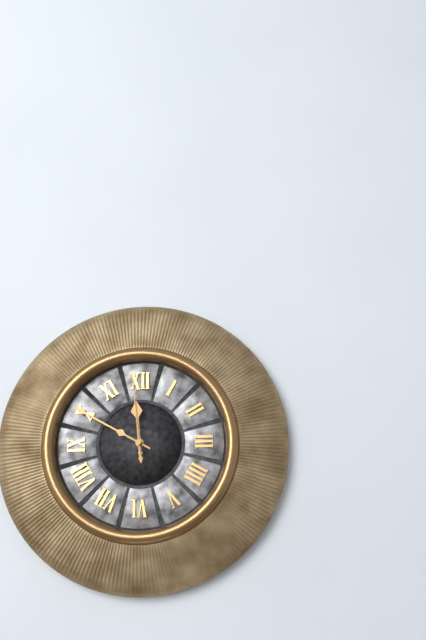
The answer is 11,50,59
